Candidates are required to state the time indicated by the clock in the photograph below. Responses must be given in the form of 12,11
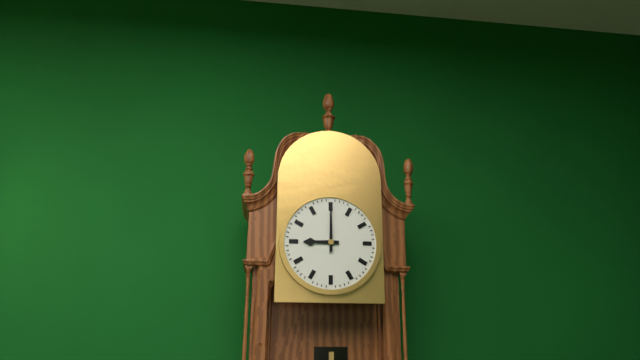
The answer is 9,00
